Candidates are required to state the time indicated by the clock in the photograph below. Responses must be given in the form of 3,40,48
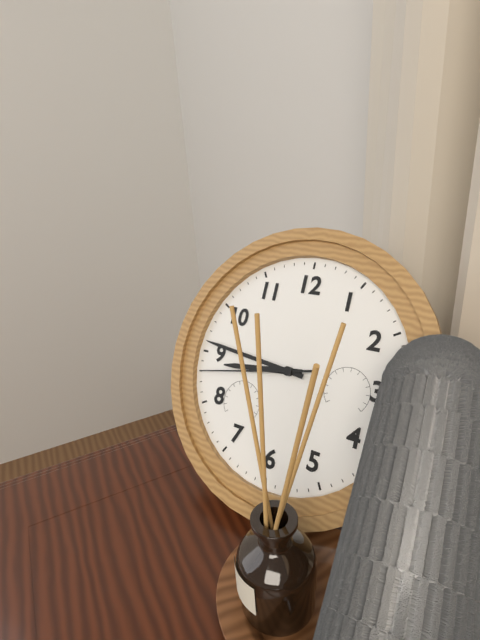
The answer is 8,46,43
